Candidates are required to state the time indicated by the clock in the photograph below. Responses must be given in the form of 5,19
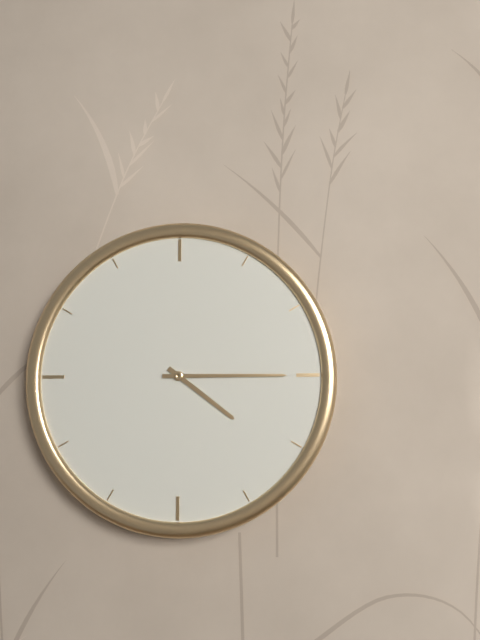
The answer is 4,15
